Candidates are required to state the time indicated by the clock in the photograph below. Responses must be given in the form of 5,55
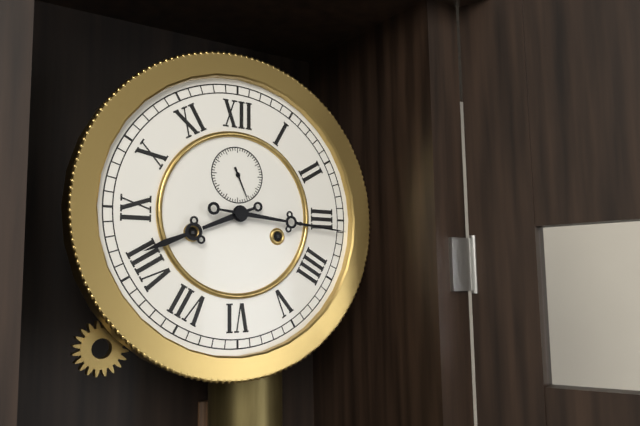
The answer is 8,16
